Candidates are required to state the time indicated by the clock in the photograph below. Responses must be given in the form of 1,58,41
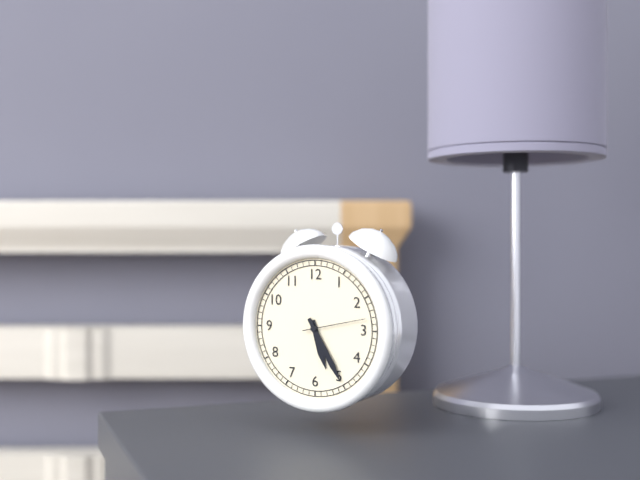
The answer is 5,25,13
